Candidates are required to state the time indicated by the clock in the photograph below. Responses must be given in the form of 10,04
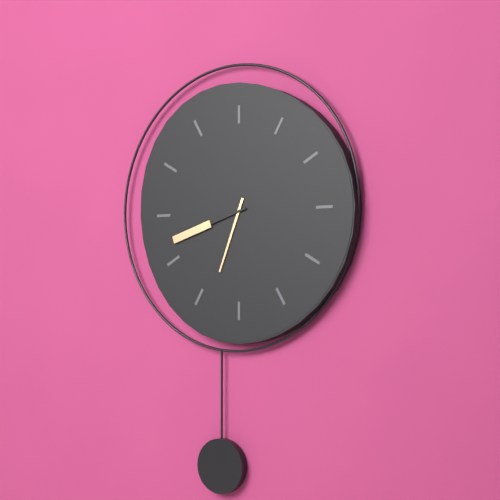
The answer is 6,42
